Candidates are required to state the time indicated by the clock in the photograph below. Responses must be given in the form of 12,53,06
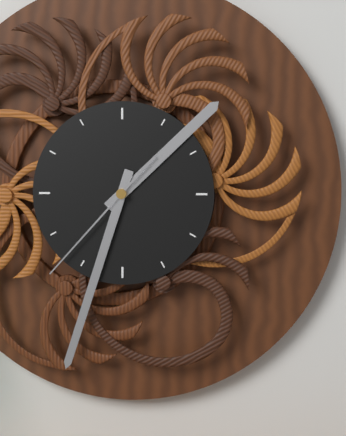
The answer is 1,33,37
